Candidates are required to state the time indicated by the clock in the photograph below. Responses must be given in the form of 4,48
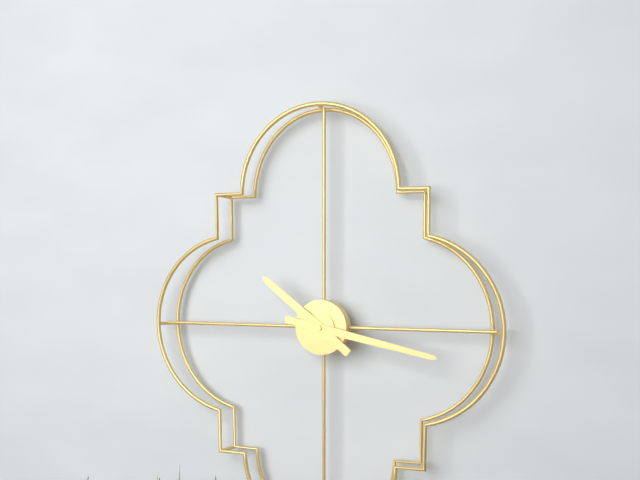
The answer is 10,17
